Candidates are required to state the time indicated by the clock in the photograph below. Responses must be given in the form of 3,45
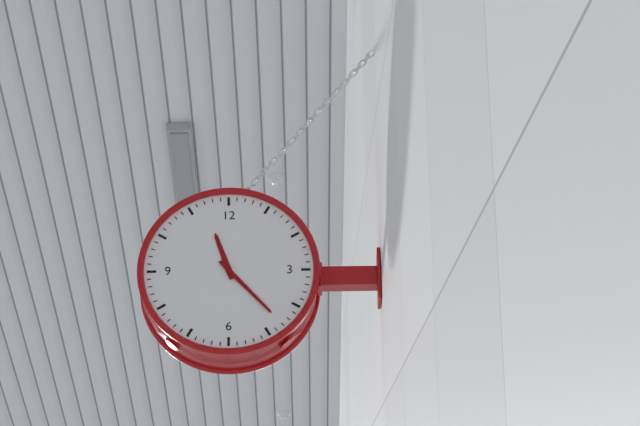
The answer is 11,23
